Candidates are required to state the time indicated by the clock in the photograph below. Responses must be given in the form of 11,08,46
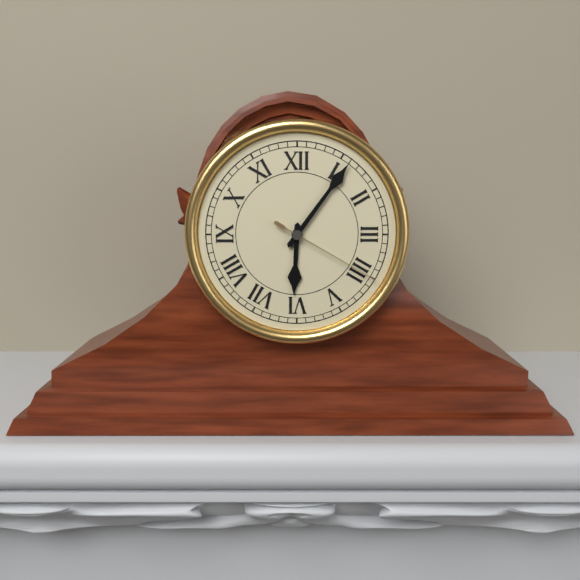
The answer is 6,06,20
